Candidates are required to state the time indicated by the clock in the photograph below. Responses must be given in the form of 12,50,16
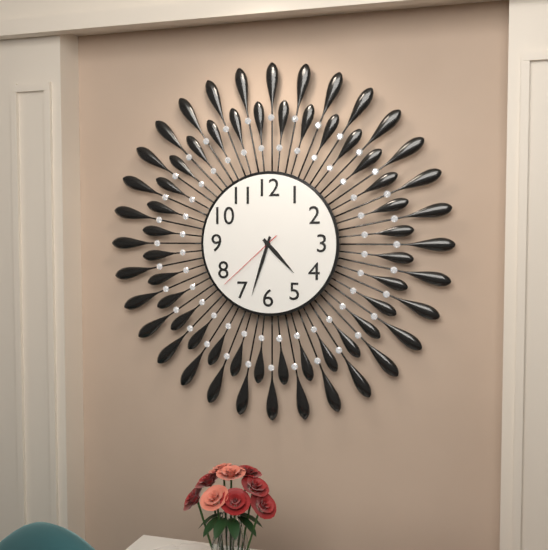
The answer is 4,33,38
